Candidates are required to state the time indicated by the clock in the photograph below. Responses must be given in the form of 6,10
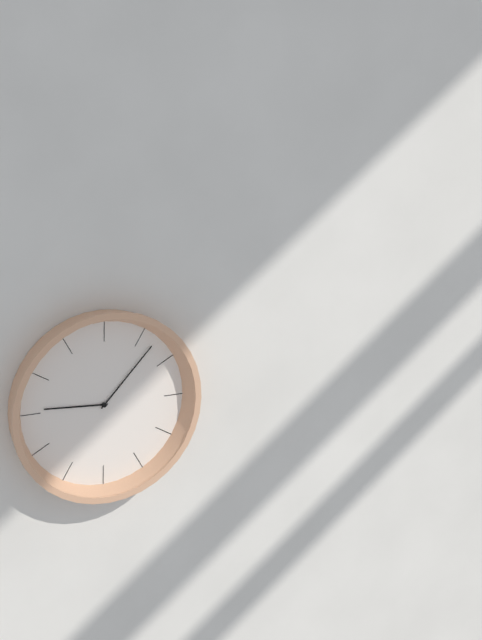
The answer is 9,07
